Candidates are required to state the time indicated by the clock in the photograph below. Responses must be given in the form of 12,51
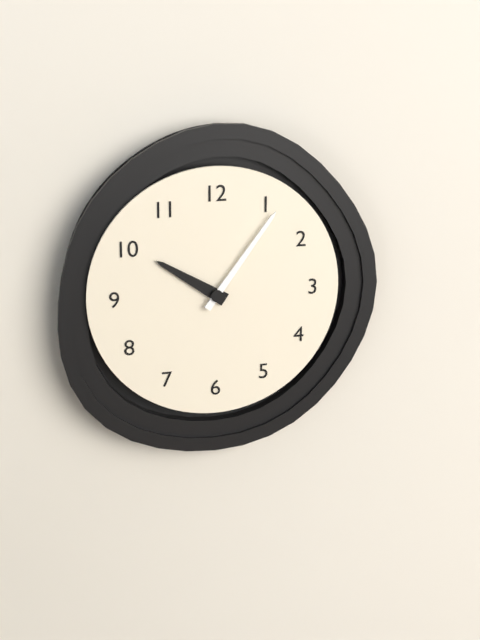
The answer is 10,06
